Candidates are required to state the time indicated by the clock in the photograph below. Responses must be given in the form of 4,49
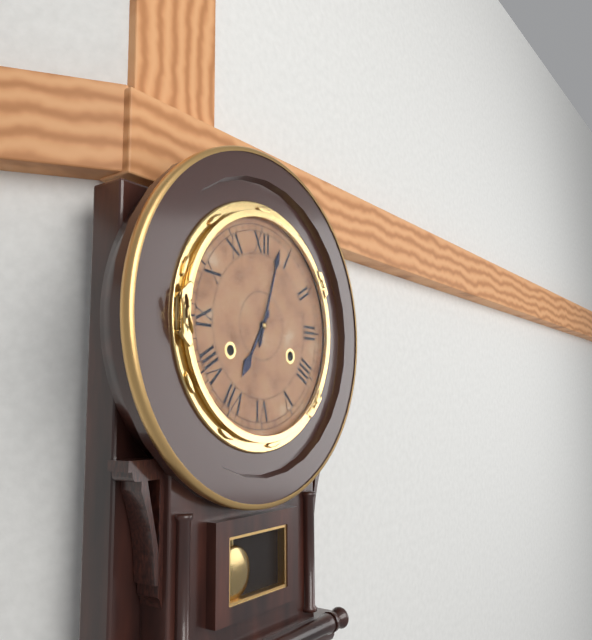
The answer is 7,03
